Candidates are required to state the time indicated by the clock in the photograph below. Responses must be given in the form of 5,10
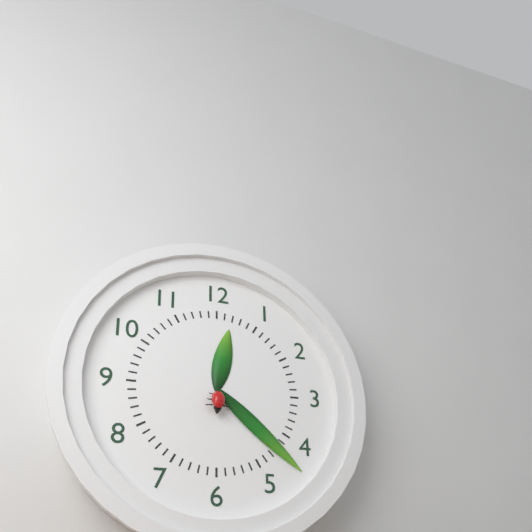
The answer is 12,22
